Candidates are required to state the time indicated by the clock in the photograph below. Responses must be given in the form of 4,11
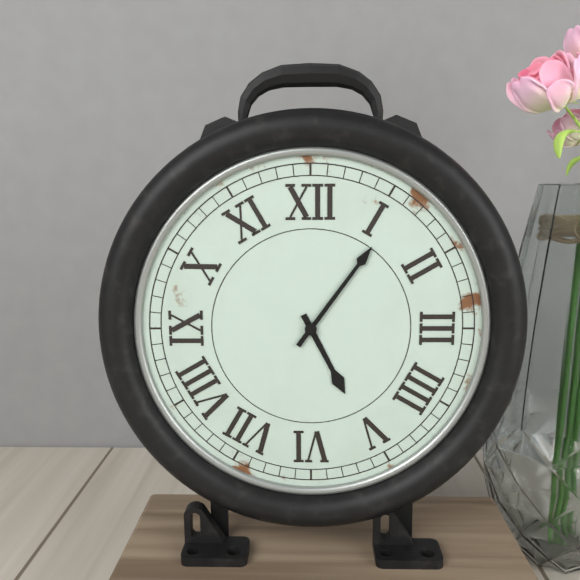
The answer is 5,06
